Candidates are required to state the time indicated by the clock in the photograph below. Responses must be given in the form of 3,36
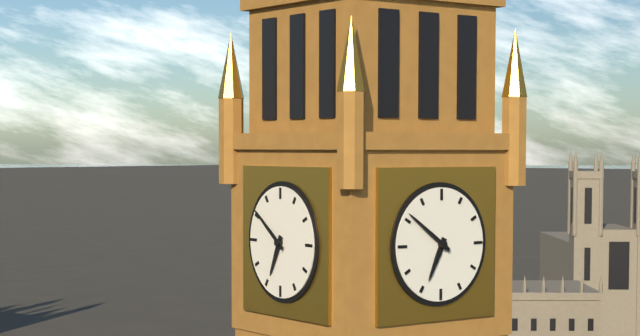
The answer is 6,51
